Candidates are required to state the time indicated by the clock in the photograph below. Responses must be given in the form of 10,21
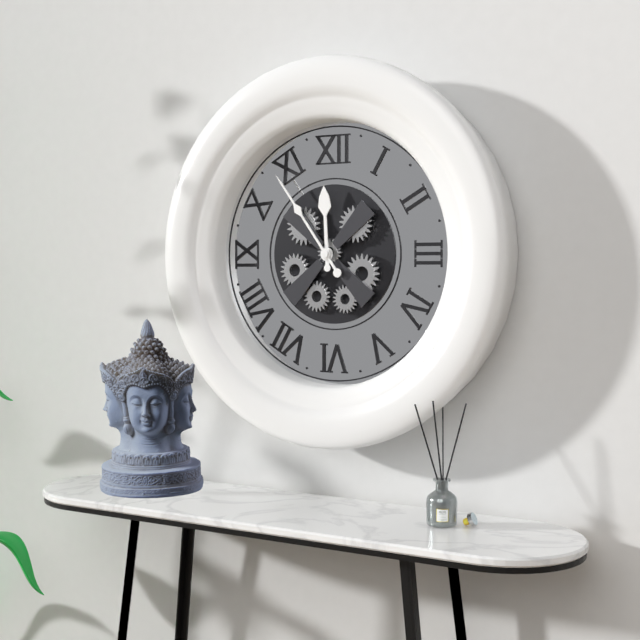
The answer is 11,54
